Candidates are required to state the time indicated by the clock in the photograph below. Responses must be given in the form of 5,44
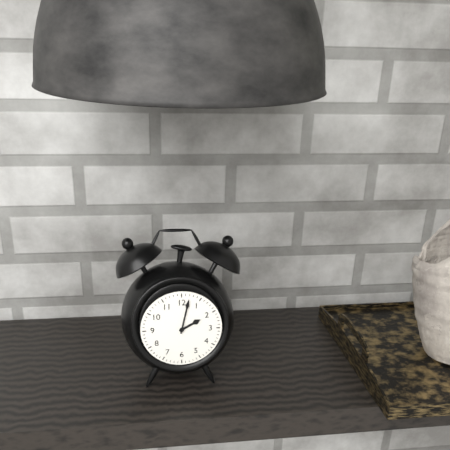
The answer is 2,02
